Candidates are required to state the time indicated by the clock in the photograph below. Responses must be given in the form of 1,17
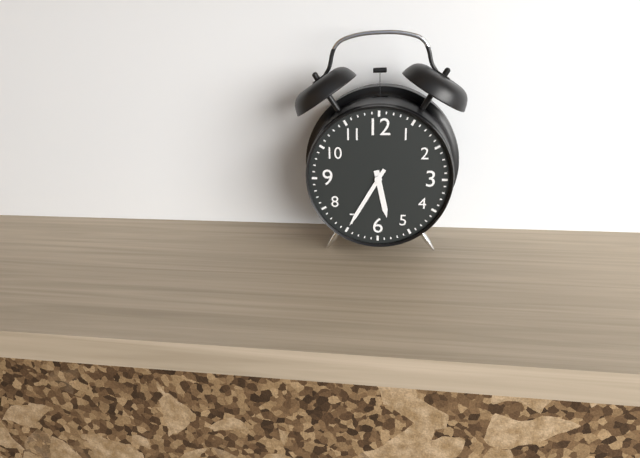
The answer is 5,35
